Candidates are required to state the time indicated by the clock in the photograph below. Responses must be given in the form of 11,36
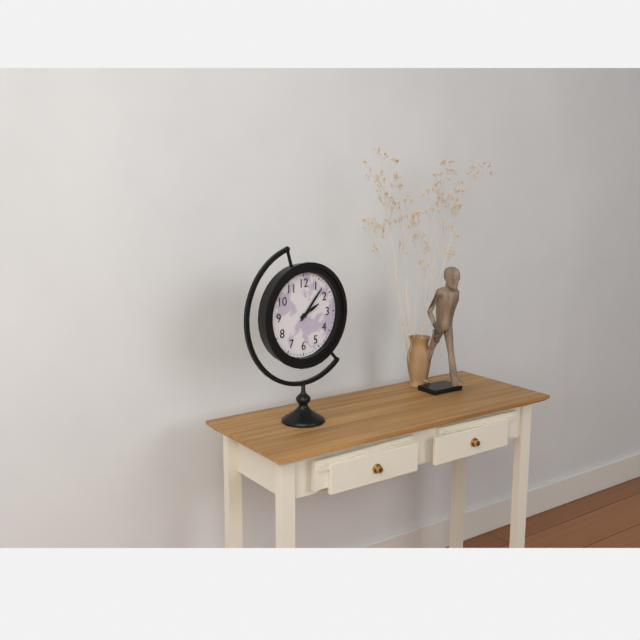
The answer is 2,07
